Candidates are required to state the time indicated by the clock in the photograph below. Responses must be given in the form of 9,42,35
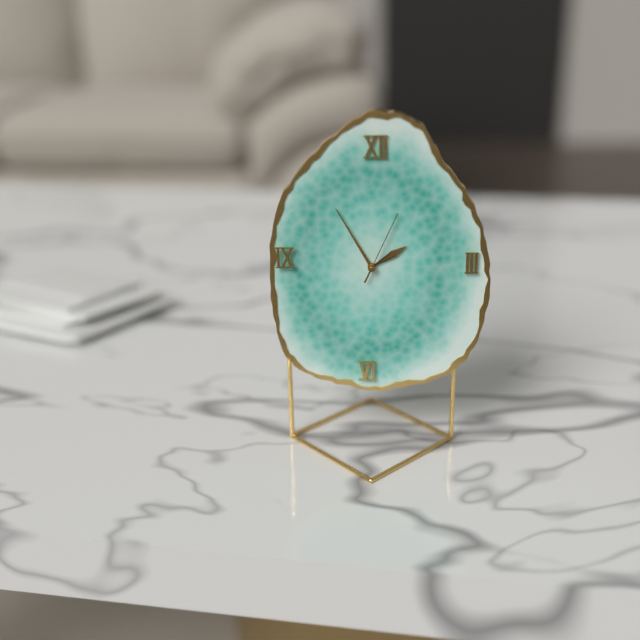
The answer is 1,55,04
